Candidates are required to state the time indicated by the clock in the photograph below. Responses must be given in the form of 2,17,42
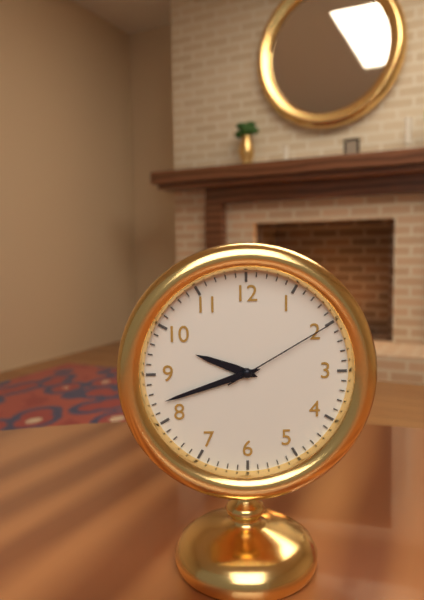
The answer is 9,42,10
